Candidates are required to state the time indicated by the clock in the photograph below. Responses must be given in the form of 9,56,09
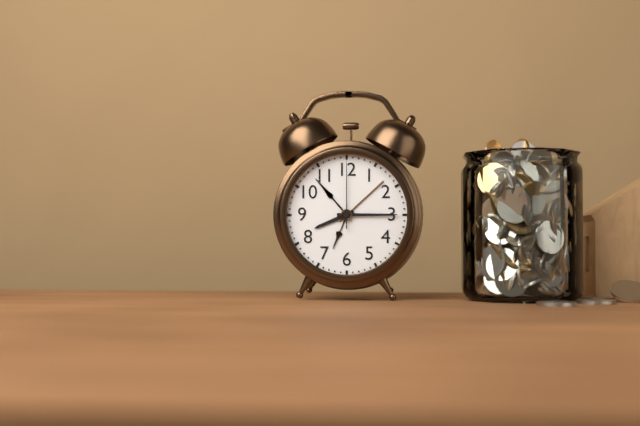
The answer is 8,15,00
